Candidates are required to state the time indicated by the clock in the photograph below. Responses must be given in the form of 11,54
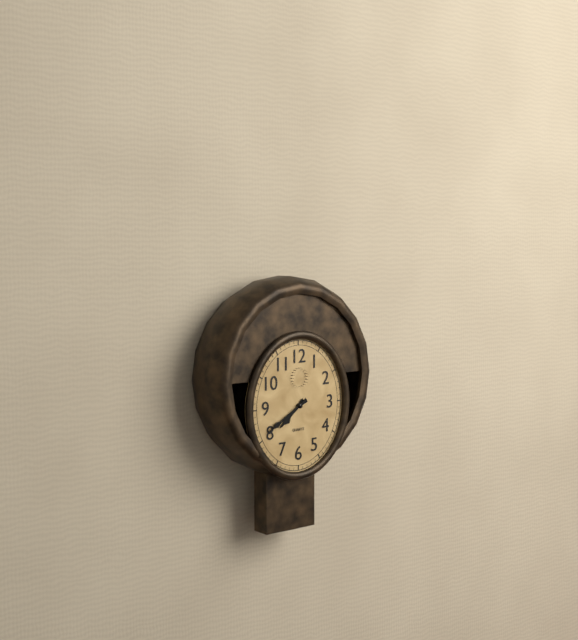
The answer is 7,40
